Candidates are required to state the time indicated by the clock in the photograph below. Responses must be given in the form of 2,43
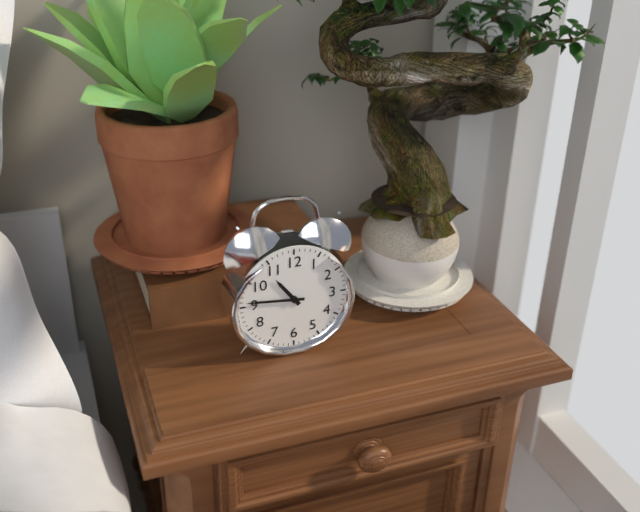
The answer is 10,46
